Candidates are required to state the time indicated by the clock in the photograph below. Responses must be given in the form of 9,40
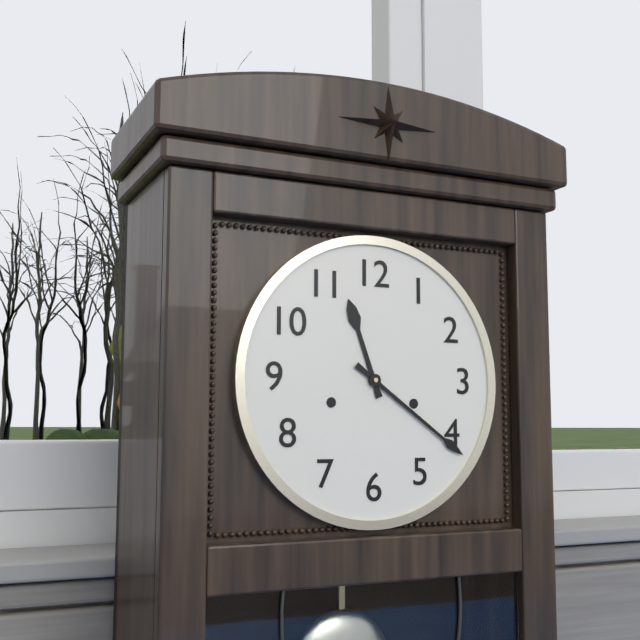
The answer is 11,21
